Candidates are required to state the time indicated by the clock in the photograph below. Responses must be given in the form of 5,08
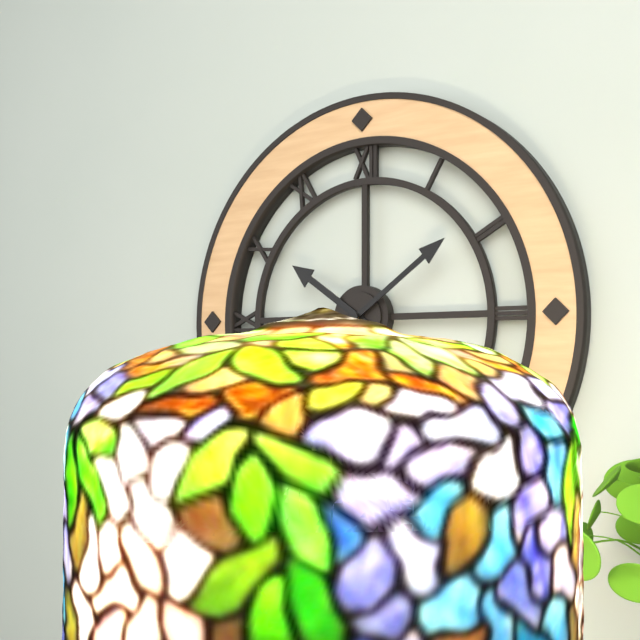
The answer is 10,09
